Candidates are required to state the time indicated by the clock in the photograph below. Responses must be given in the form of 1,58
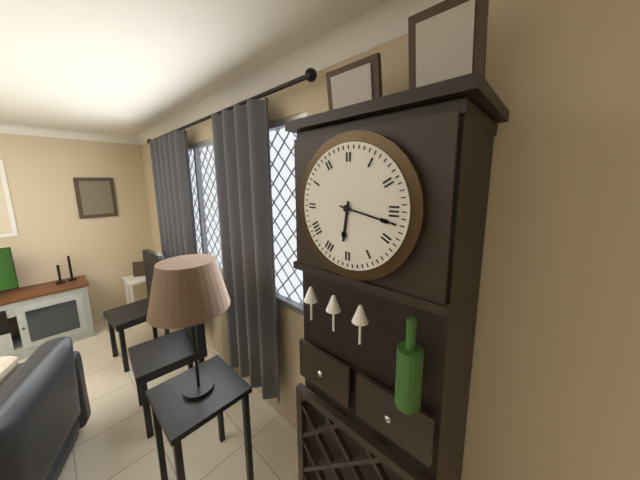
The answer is 6,17
